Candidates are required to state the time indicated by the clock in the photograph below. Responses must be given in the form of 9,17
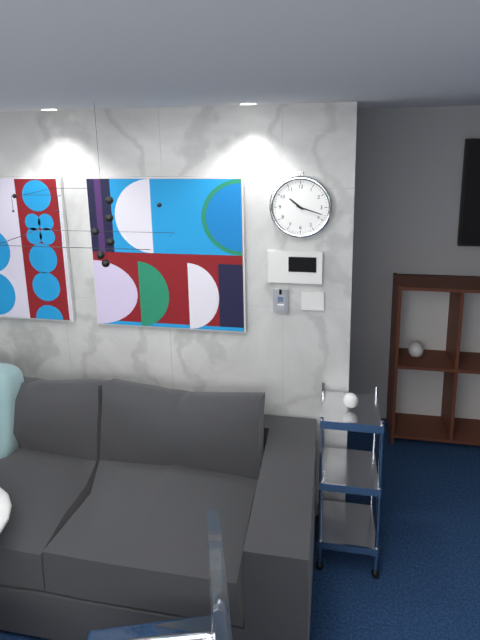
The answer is 10,18
